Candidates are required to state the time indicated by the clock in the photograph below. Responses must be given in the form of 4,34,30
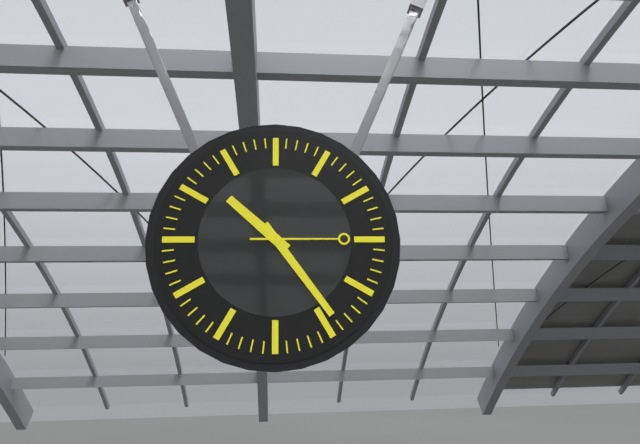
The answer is 10,24,15
